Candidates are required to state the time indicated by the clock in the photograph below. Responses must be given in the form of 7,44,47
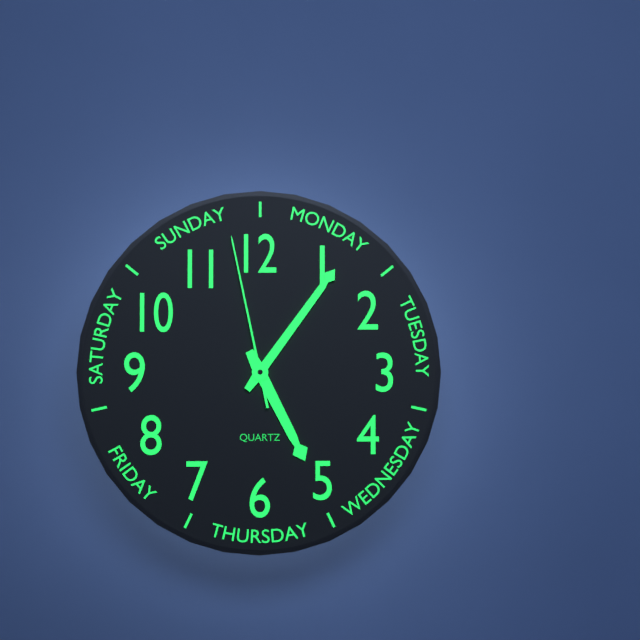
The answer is 5,06,58
